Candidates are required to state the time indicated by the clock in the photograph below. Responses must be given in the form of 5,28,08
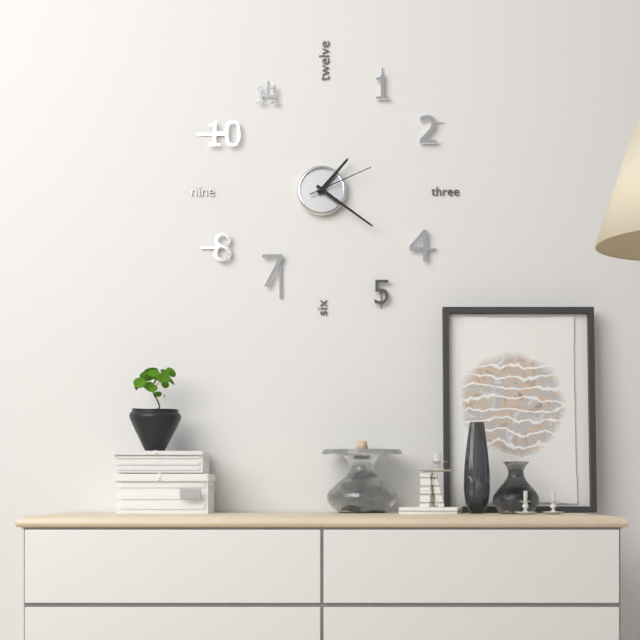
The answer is 1,21,11
